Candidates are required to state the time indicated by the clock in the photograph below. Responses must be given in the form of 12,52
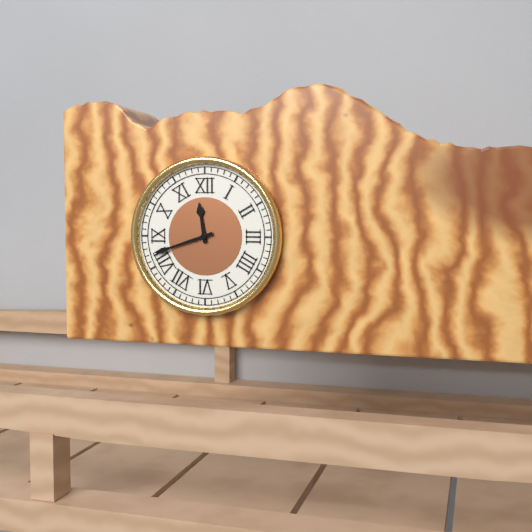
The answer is 11,42
